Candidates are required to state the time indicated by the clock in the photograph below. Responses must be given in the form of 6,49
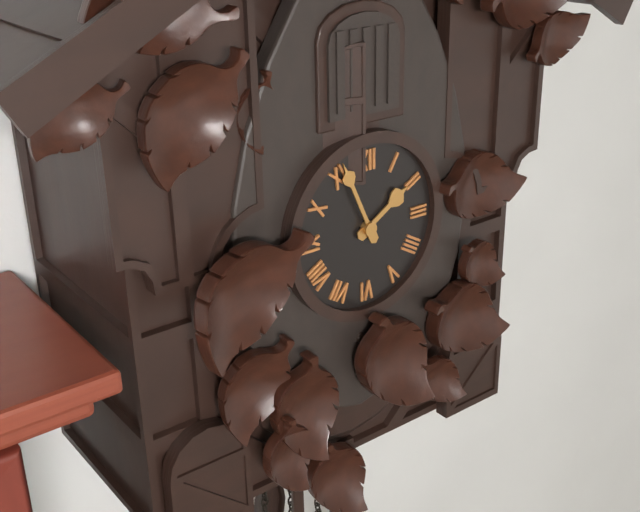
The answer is 1,56
